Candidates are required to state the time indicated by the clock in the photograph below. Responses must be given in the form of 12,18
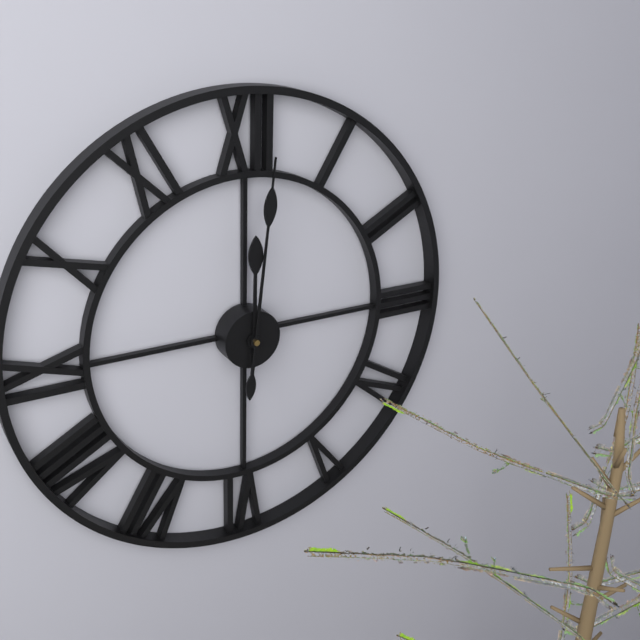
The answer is 12,01
